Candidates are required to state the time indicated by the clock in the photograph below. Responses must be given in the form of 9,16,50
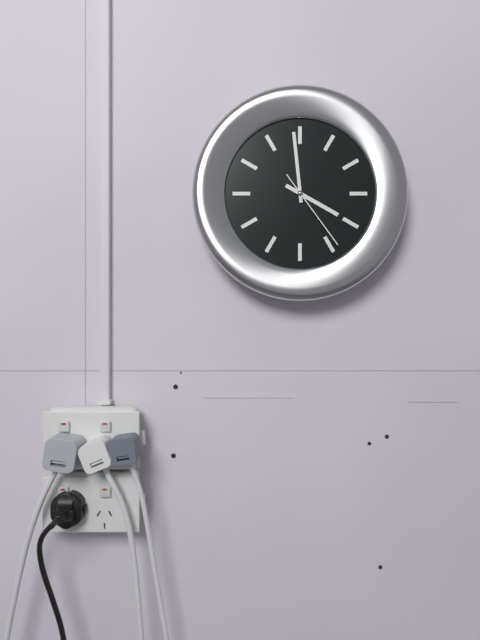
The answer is 3,59,24
